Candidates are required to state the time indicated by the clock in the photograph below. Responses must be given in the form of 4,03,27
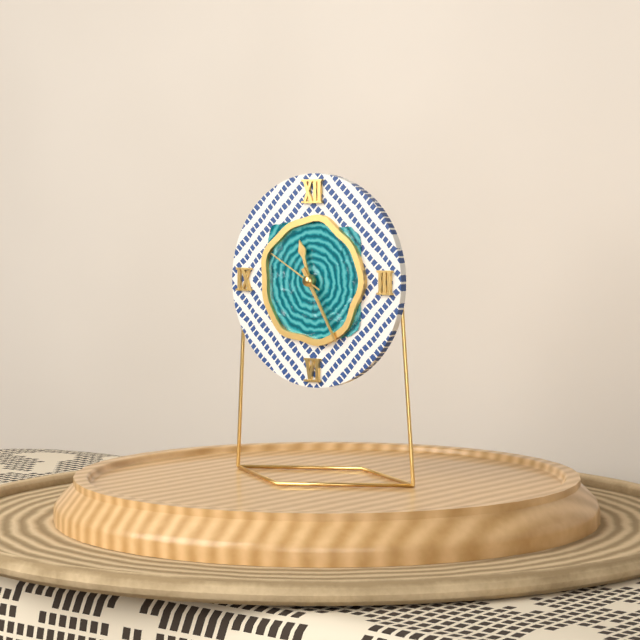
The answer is 11,25,50
